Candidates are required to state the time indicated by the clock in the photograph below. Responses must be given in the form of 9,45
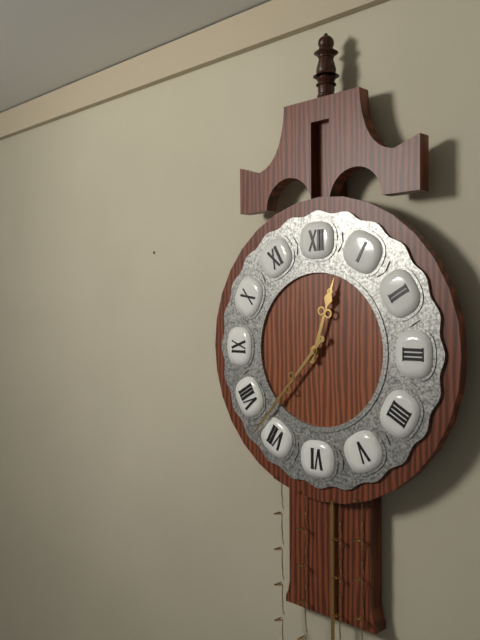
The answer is 12,37
